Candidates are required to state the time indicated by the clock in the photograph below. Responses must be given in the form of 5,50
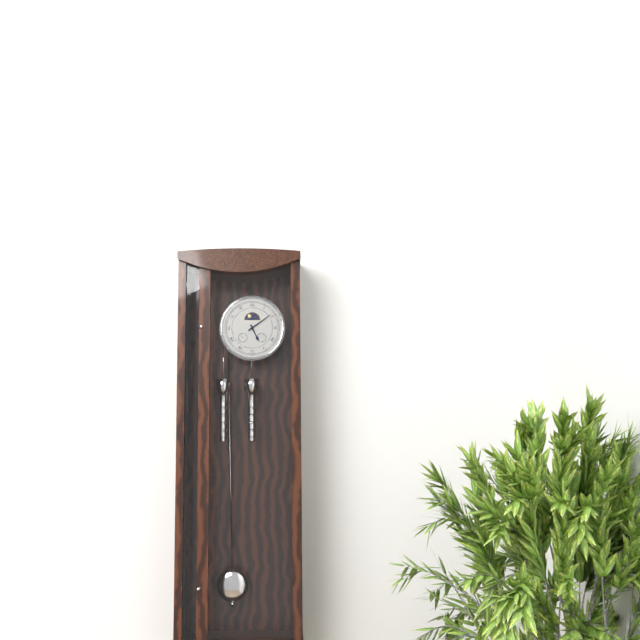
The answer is 5,09
